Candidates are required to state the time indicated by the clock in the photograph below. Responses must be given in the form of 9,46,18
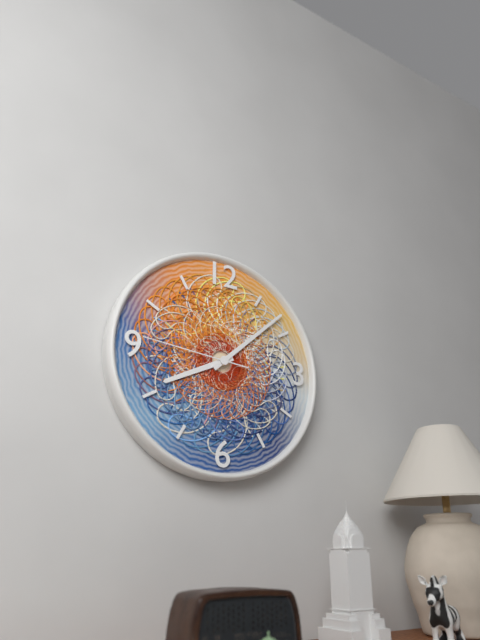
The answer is 8,08,46
